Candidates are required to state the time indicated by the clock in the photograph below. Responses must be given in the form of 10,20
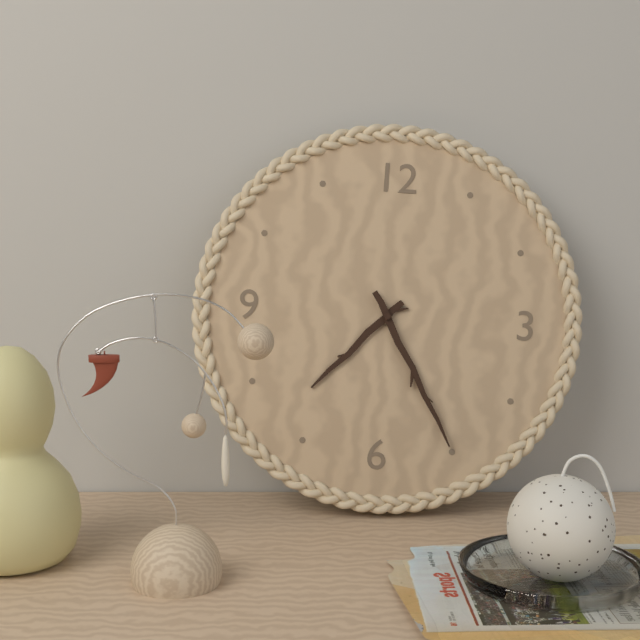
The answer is 7,25
